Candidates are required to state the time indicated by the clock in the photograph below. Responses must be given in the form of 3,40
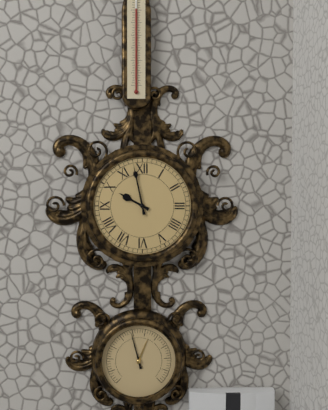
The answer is 9,58
